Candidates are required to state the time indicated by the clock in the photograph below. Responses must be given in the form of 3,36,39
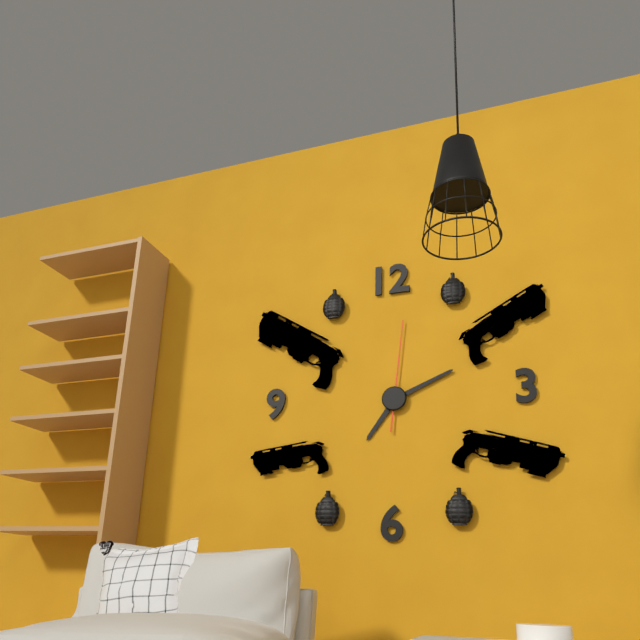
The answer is 7,11,01
